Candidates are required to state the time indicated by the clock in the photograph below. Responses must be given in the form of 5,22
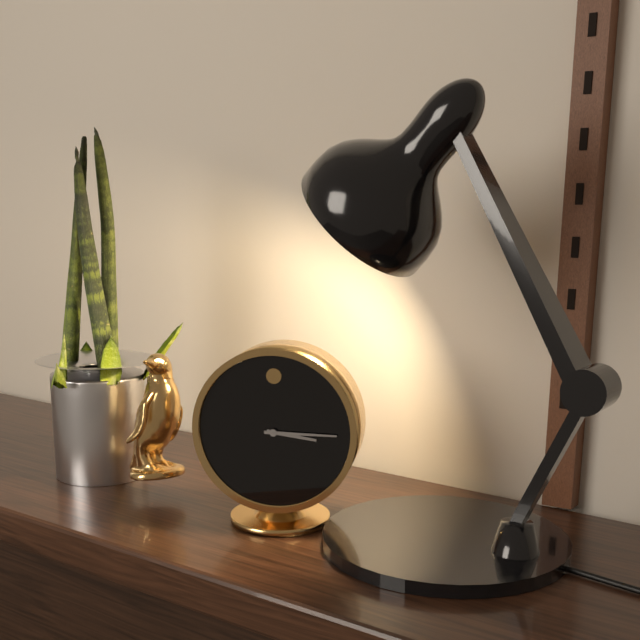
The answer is 3,15
